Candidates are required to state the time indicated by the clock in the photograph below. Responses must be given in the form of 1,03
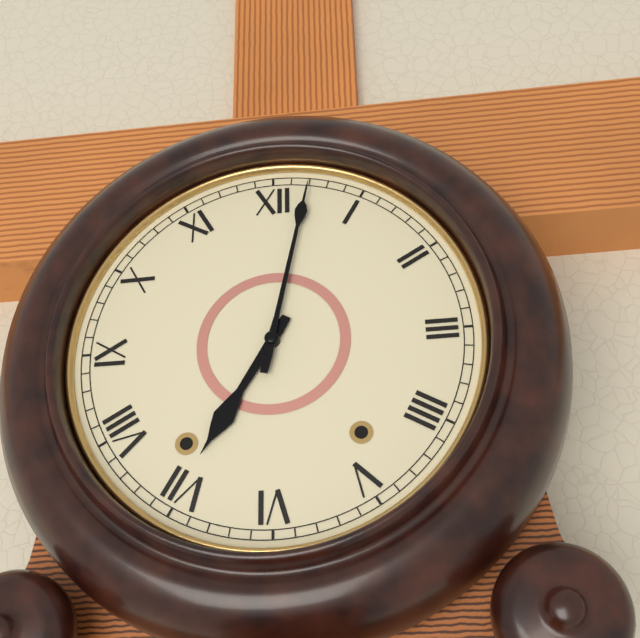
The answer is 7,02
